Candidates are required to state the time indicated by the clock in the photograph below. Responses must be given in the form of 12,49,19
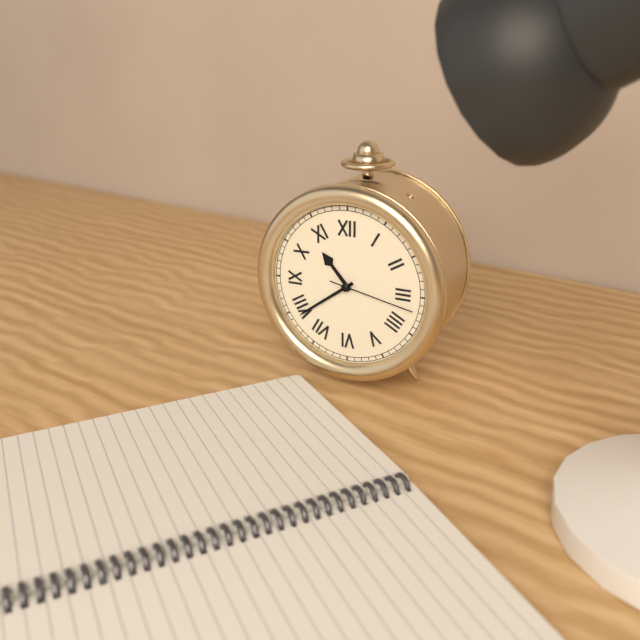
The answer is 10,39,17
